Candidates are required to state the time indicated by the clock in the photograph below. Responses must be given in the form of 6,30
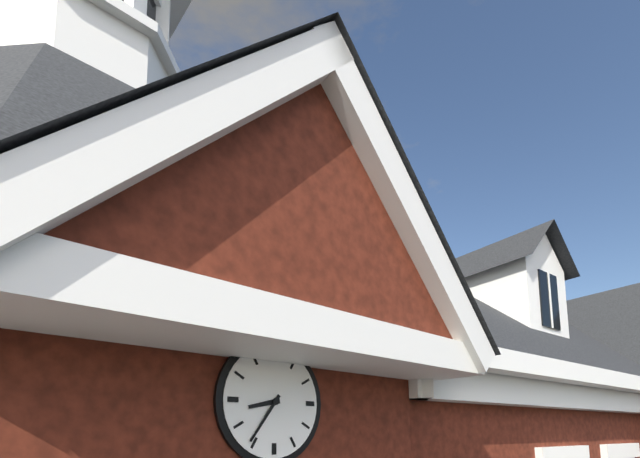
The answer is 8,36
